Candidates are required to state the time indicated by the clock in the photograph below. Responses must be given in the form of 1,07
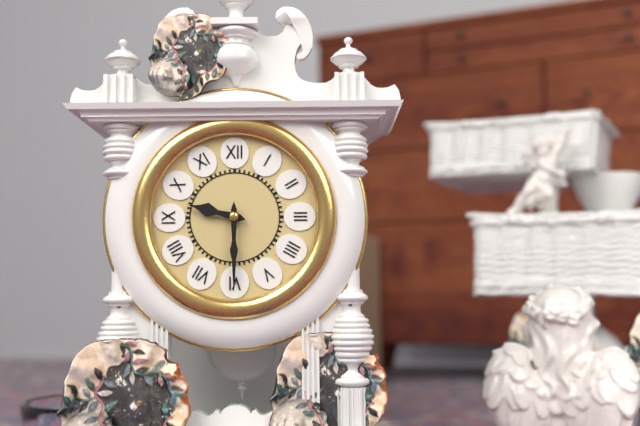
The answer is 9,30
